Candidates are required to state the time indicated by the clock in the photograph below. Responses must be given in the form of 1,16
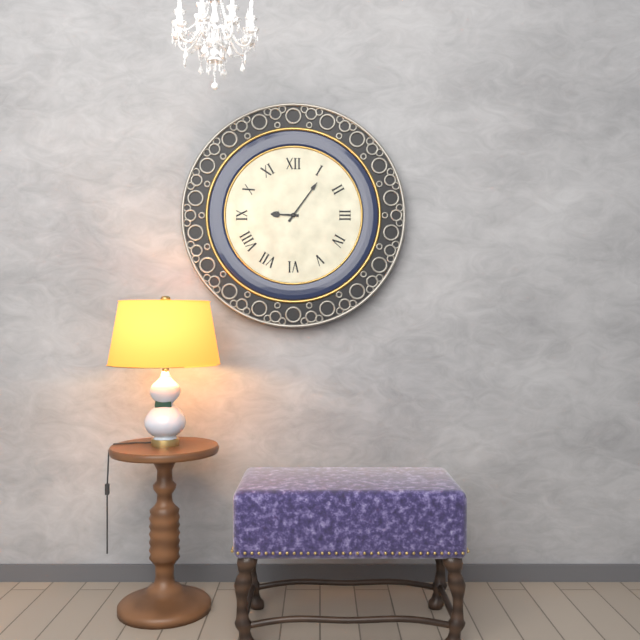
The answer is 9,06
